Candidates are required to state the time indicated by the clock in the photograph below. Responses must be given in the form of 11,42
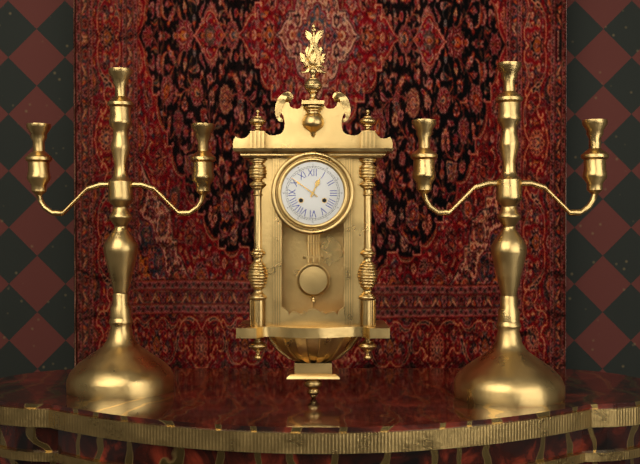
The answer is 12,51
